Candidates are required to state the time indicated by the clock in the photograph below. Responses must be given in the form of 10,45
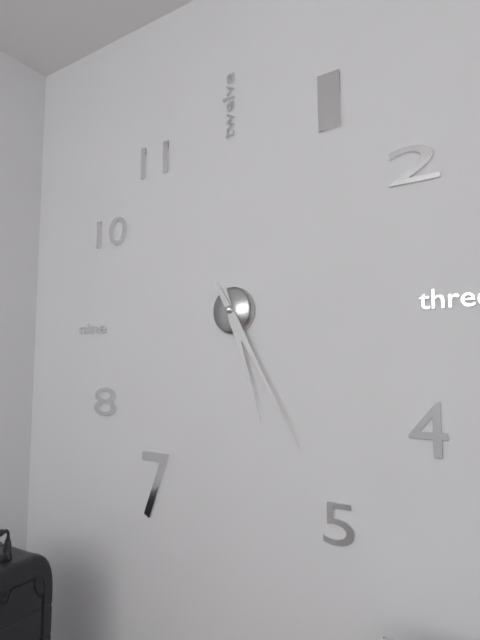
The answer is 5,25
